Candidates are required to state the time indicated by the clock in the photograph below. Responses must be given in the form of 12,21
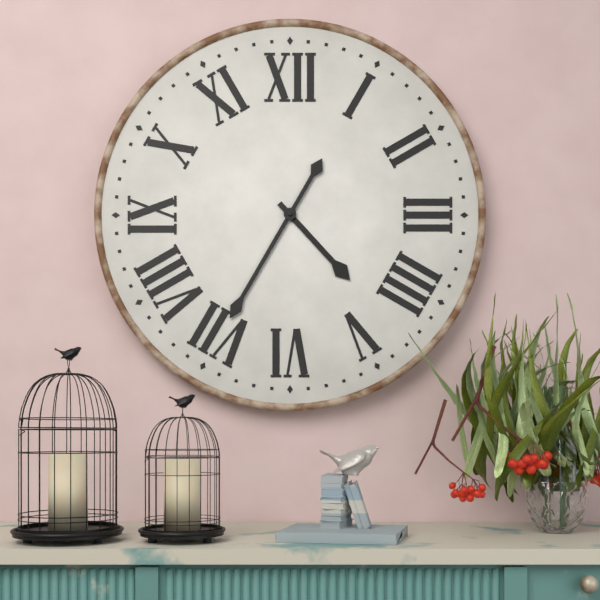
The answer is 4,35
